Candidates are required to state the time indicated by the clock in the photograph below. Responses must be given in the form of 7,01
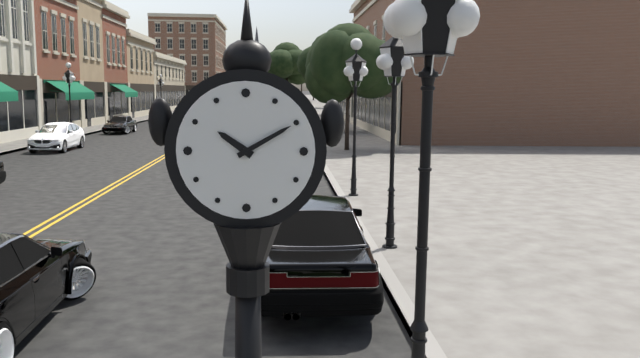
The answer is 10,10
